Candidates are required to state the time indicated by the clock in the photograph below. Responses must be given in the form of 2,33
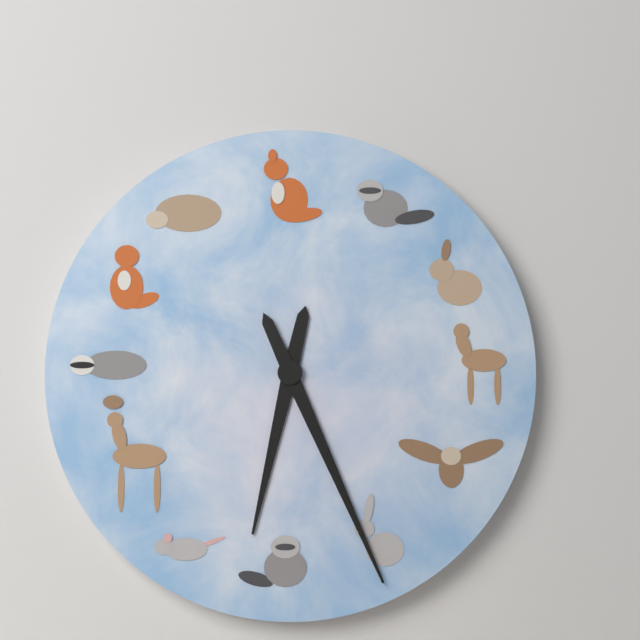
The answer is 6,26
